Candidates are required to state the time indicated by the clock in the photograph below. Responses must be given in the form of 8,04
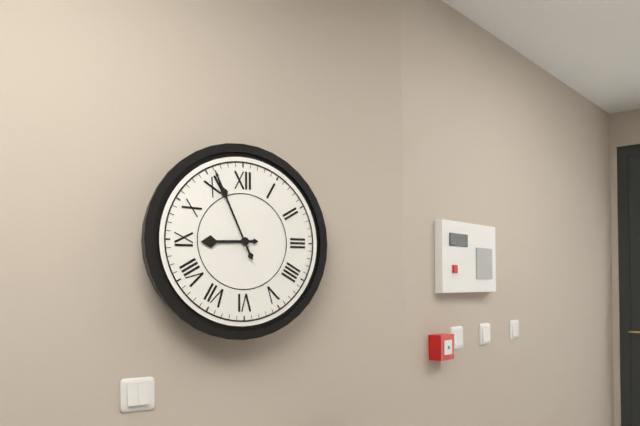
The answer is 8,56
